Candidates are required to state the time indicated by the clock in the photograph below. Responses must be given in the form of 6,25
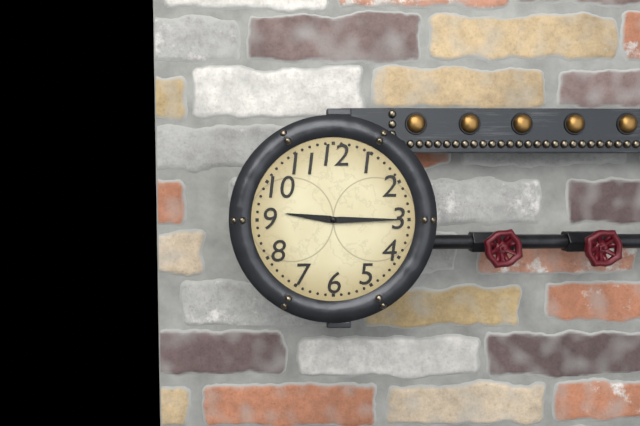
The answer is 9,15
